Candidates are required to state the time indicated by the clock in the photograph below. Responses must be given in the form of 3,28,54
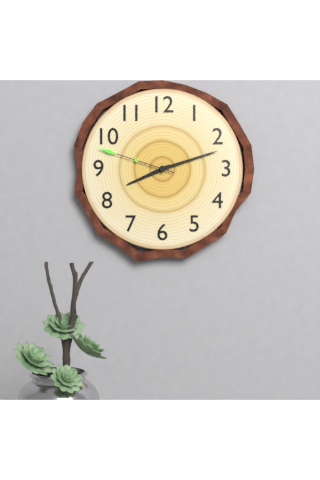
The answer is 8,12,48
